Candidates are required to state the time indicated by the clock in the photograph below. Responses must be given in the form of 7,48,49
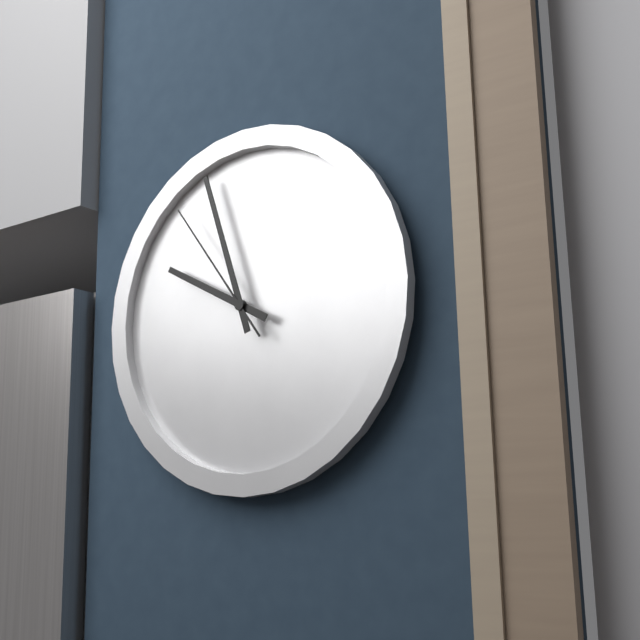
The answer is 9,57,54
